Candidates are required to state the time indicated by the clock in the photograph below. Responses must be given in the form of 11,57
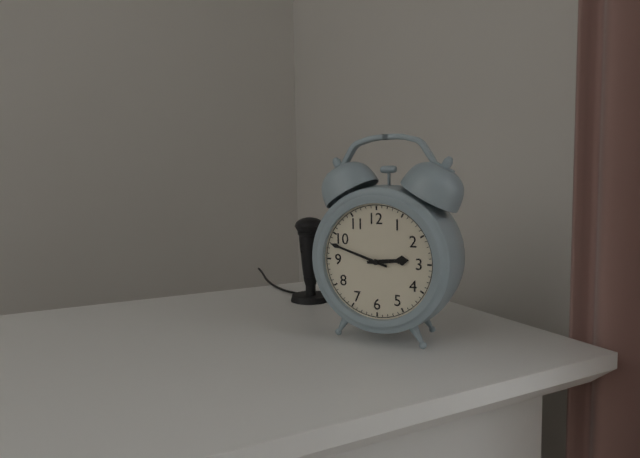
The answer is 2,48
